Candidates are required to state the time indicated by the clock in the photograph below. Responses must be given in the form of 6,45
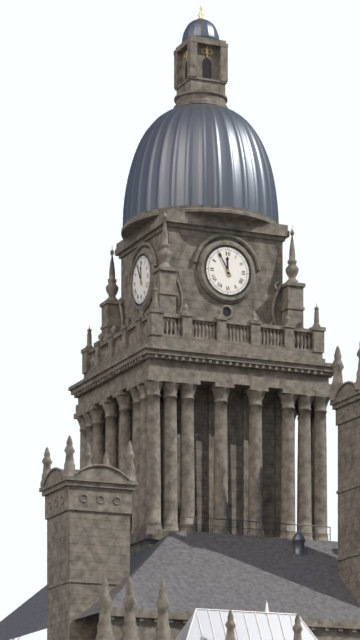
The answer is 11,55
